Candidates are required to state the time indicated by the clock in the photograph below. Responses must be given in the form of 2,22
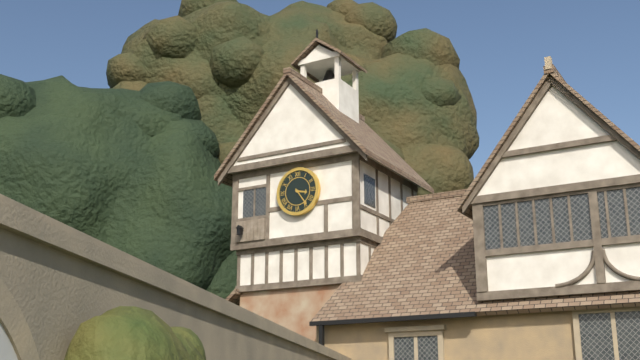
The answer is 3,24
